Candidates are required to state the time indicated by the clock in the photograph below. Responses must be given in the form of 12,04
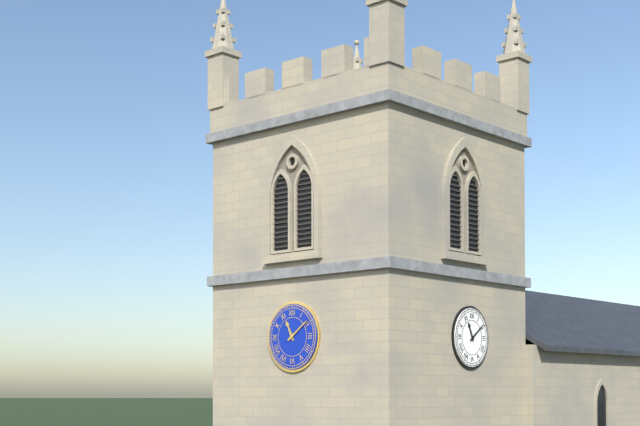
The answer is 11,09
